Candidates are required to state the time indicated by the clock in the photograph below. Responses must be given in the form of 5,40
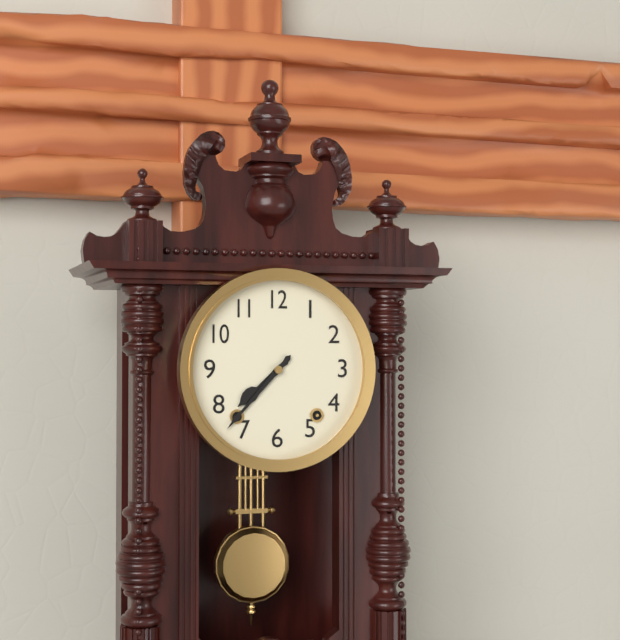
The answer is 7,37
